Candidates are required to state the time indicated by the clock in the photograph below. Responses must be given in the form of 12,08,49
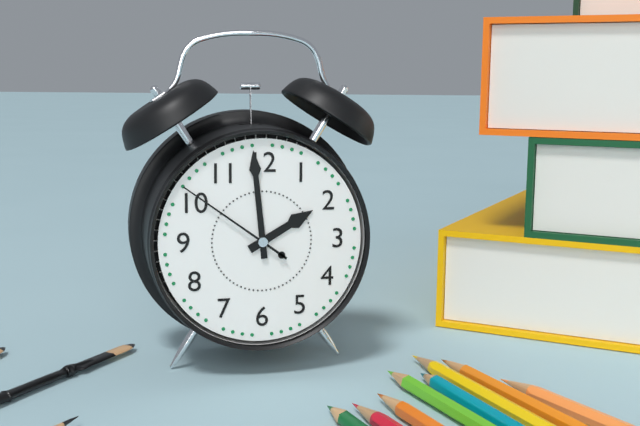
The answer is 1,59,51
